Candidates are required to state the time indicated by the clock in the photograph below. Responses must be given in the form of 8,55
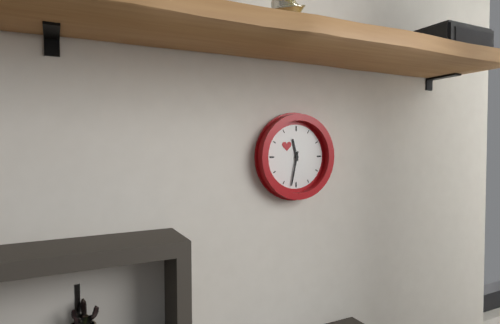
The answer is 11,32
